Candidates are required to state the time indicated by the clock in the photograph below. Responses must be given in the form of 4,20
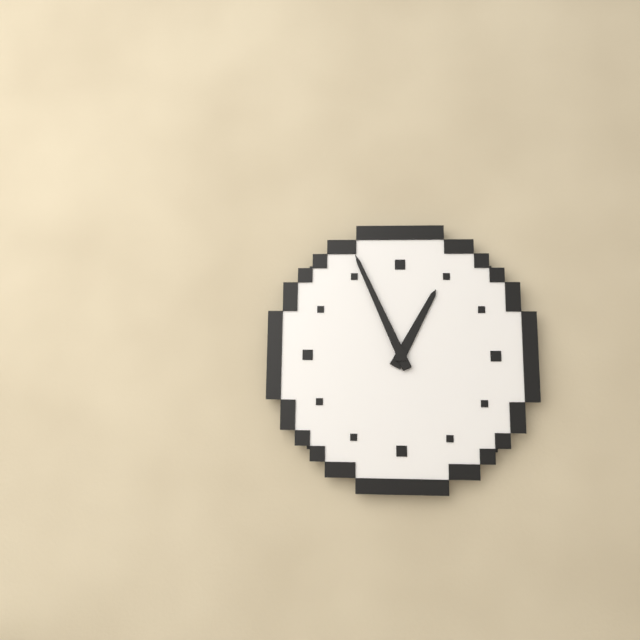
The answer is 12,56
